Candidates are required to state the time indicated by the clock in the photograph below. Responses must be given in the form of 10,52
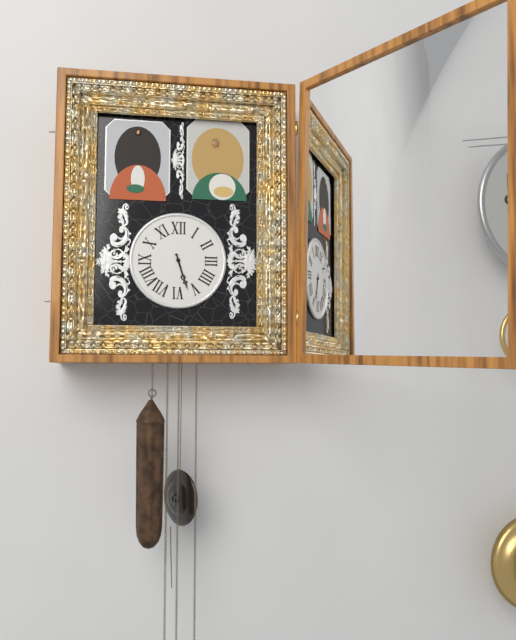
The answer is 5,27
